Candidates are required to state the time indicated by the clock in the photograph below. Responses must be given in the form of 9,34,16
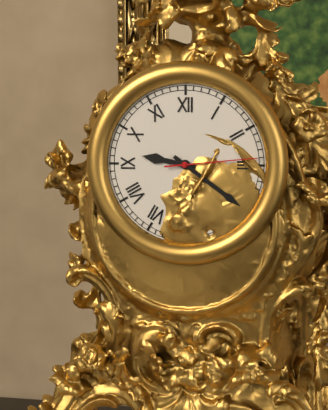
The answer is 9,21,14
